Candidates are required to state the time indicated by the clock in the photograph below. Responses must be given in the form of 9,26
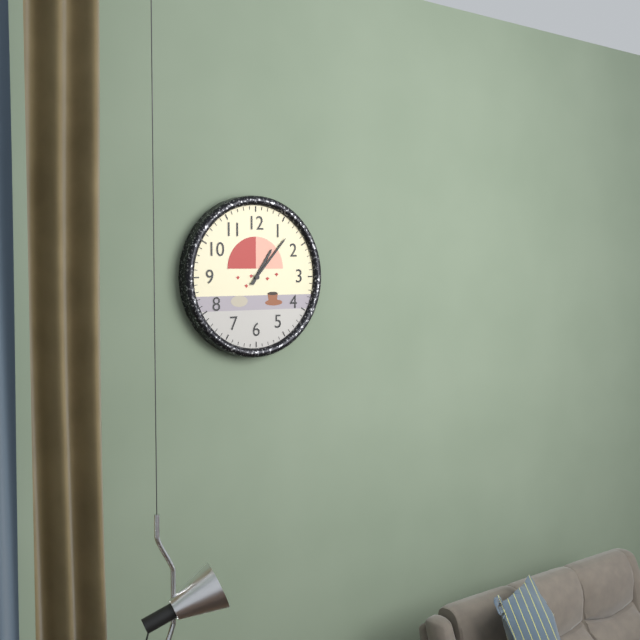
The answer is 1,07
